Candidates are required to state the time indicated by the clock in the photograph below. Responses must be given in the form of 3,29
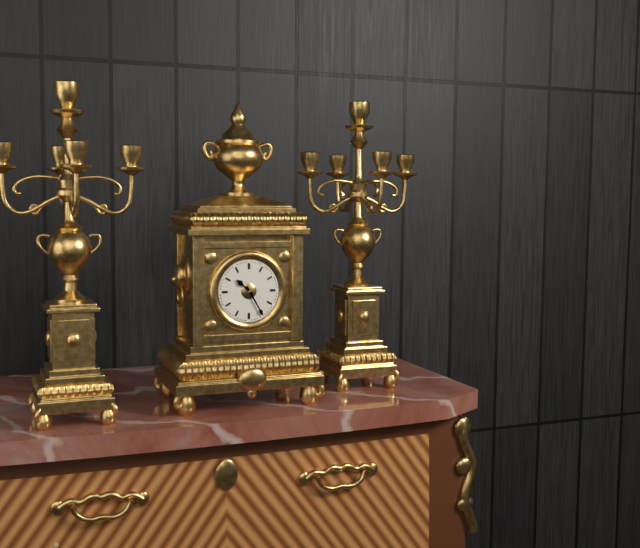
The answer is 10,25
